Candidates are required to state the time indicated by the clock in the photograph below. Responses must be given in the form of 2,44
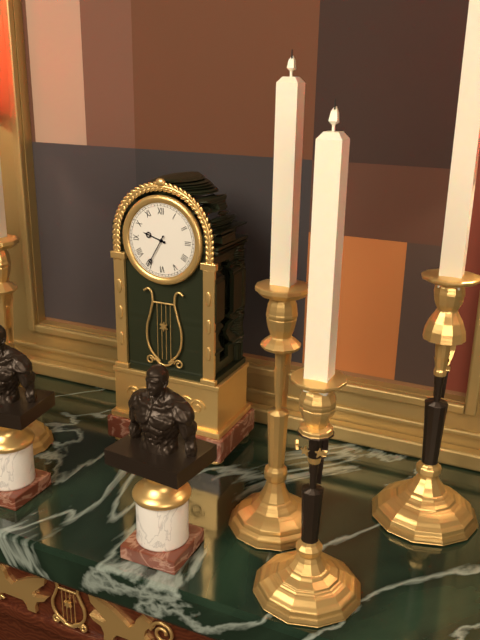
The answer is 9,35
